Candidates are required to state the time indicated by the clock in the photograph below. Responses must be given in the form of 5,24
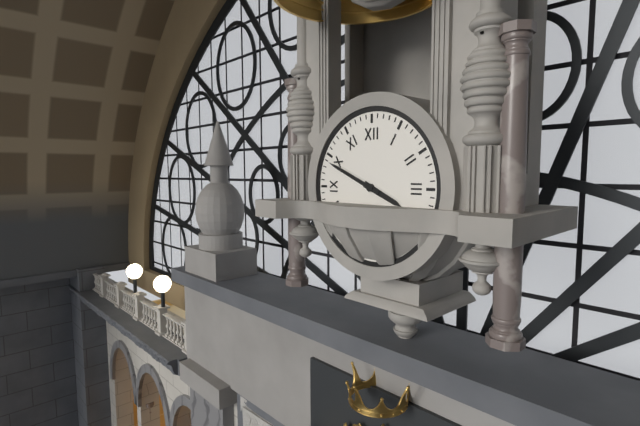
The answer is 3,49
